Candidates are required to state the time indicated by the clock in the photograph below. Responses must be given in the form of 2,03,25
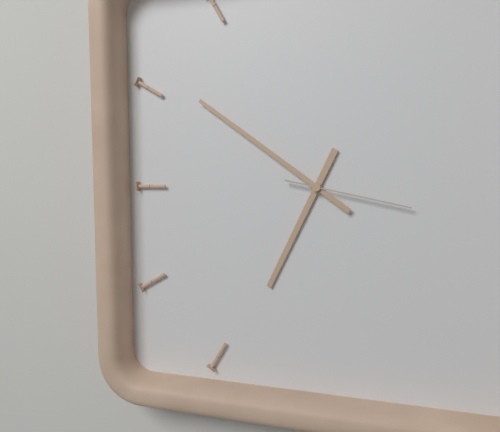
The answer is 6,51,17
